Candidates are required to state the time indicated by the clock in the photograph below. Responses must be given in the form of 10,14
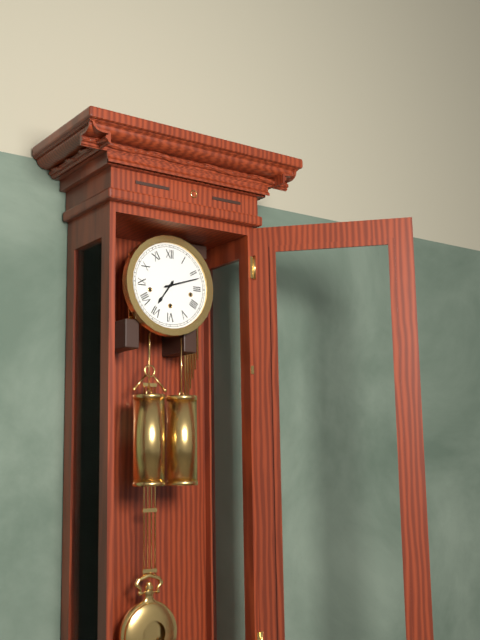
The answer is 7,12
